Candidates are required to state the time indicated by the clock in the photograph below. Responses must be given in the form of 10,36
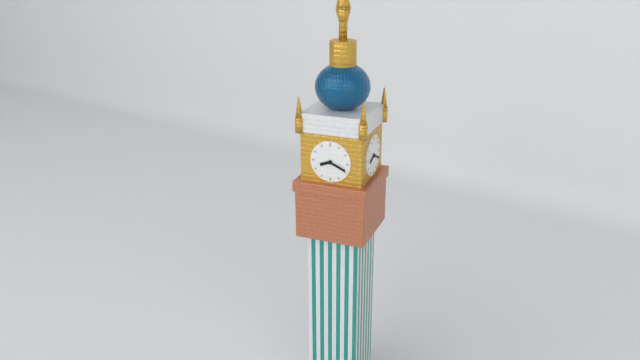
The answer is 8,19
